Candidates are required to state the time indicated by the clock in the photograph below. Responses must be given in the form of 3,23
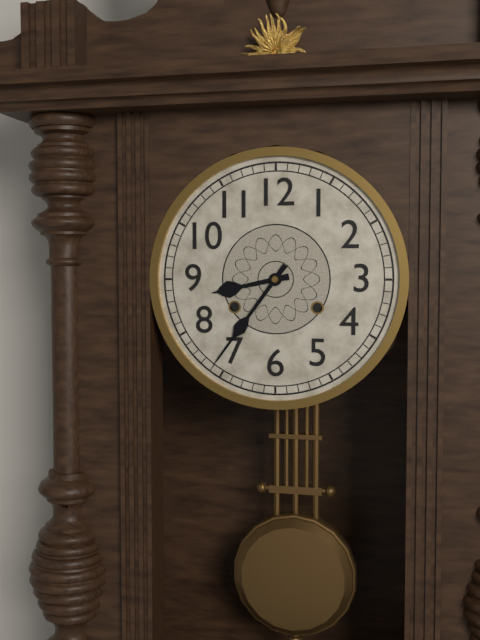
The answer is 8,36
